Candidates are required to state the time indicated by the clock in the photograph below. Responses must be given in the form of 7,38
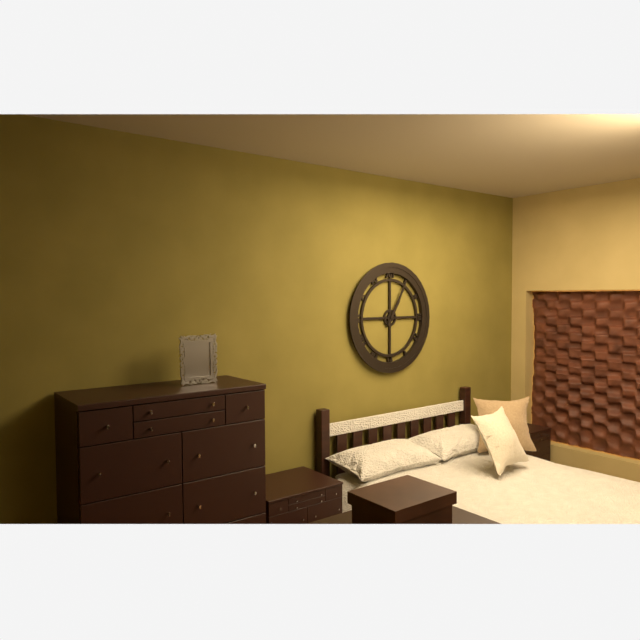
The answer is 1,05
